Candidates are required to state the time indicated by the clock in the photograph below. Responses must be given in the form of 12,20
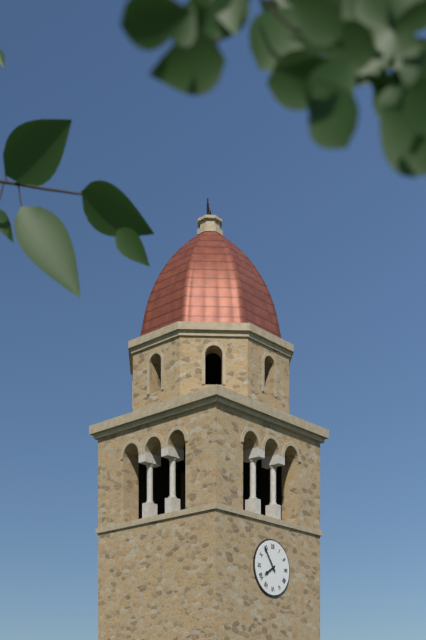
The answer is 7,54
